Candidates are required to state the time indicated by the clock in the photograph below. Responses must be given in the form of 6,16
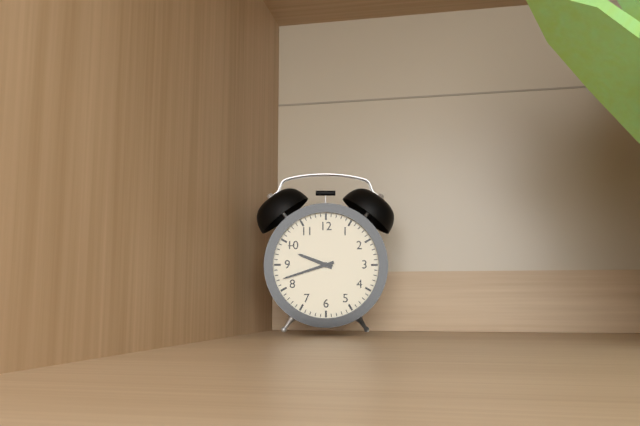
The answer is 9,42
